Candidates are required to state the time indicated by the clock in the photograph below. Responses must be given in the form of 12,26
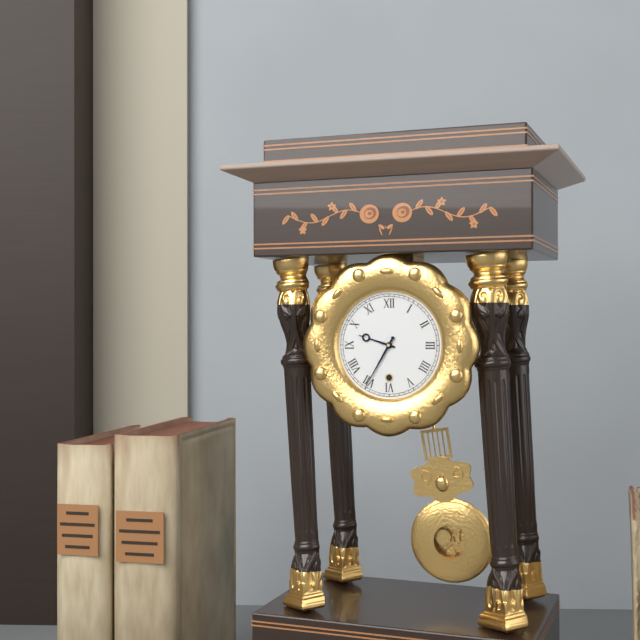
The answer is 9,35
